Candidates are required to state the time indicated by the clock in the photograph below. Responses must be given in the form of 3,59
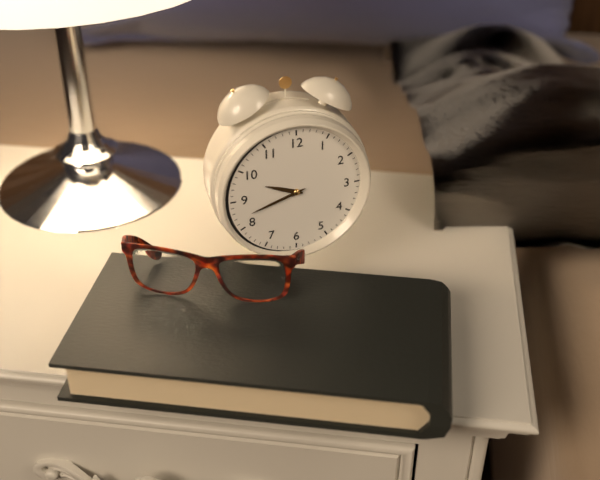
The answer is 9,42
